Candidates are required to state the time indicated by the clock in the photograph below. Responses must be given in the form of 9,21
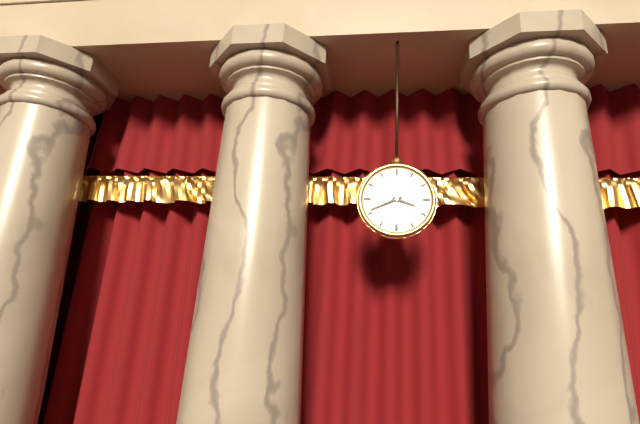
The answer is 3,41
